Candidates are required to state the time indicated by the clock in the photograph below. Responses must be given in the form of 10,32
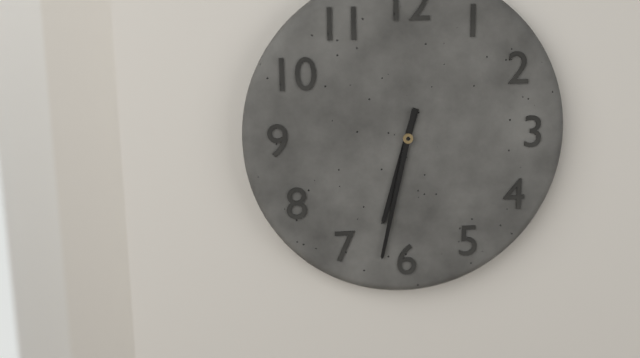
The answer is 6,32
